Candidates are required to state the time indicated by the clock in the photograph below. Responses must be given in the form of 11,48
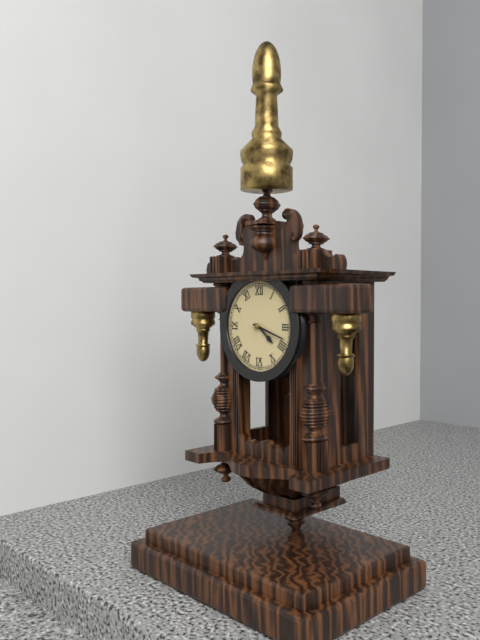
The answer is 4,18
